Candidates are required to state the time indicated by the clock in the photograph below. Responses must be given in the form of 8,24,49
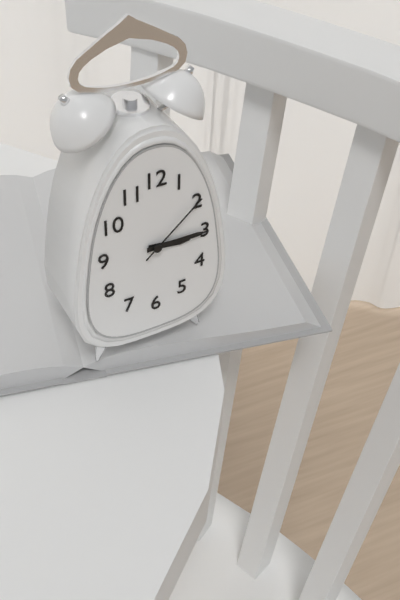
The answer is 3,15,08
